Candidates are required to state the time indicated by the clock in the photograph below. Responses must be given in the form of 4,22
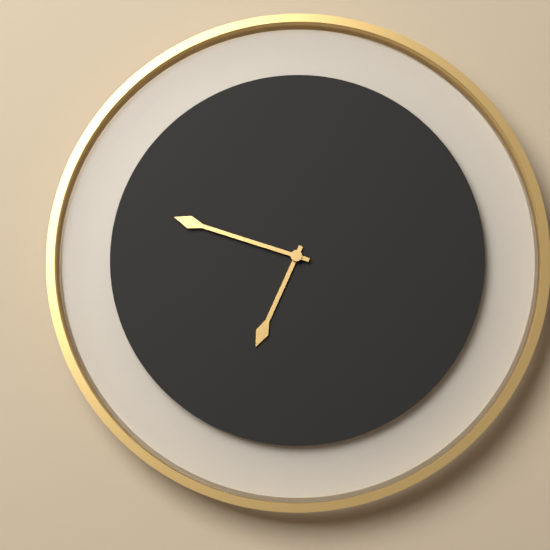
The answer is 6,48
